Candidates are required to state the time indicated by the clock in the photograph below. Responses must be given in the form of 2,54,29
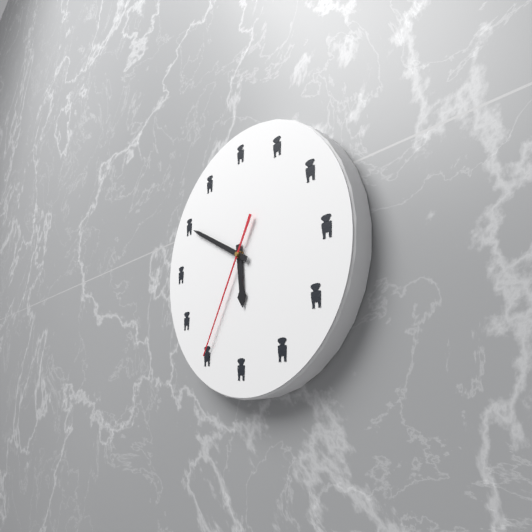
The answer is 5,50,35
